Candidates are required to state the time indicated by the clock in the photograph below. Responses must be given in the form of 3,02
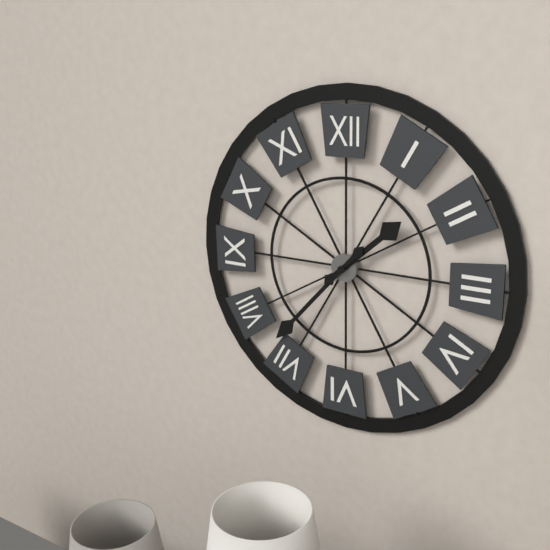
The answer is 1,37
